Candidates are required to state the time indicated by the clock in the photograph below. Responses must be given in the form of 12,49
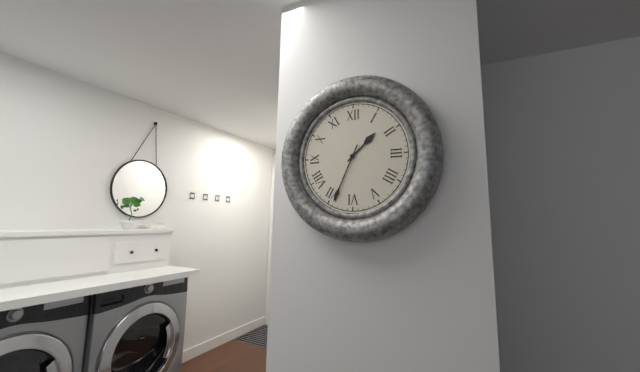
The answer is 1,34
